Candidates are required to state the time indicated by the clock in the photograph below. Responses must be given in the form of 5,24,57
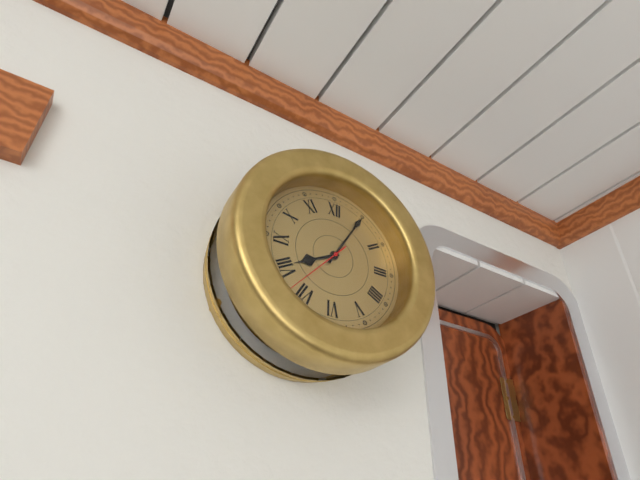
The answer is 8,05,37
